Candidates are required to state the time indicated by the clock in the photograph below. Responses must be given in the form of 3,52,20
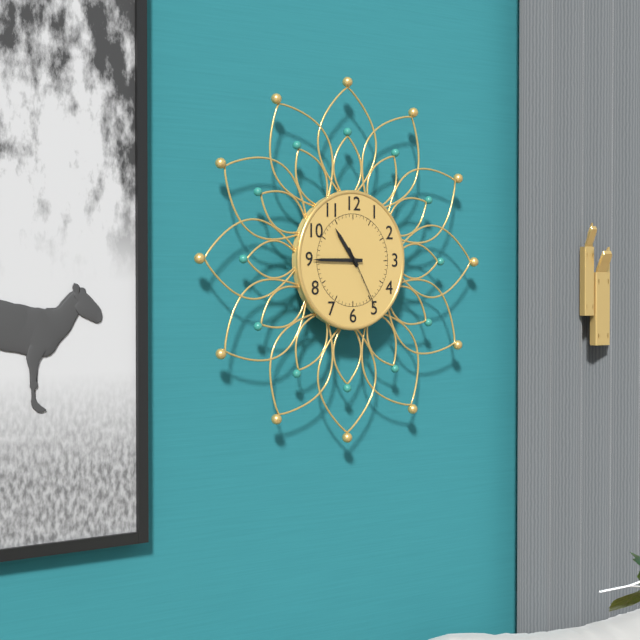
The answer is 10,45,25
